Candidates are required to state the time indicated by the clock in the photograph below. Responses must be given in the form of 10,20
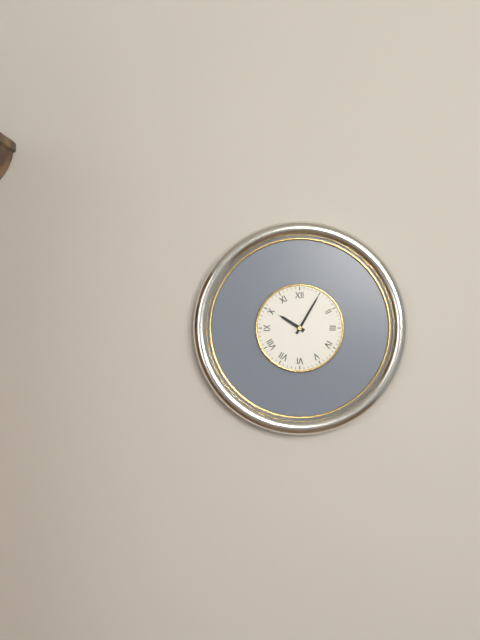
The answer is 10,05
